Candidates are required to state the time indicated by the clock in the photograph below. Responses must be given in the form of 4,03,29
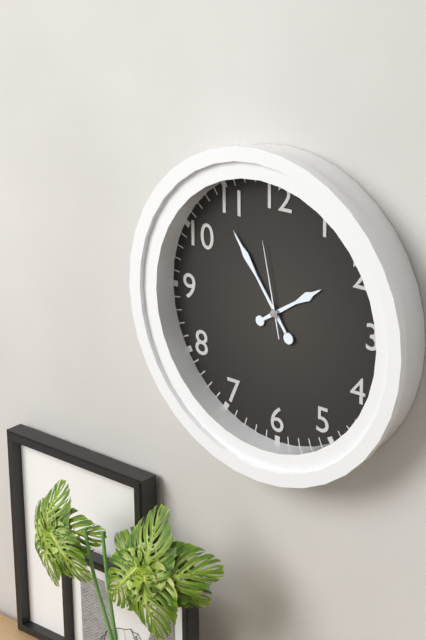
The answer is 1,54,58
